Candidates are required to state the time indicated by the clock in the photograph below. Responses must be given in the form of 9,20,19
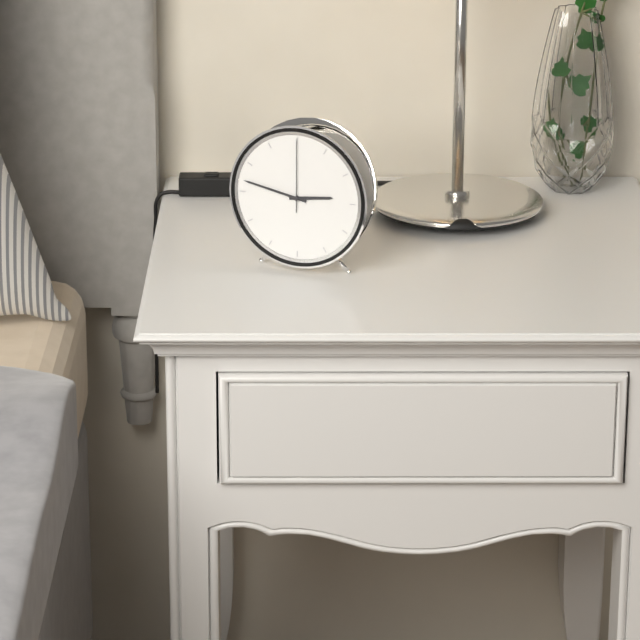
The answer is 2,47,00
